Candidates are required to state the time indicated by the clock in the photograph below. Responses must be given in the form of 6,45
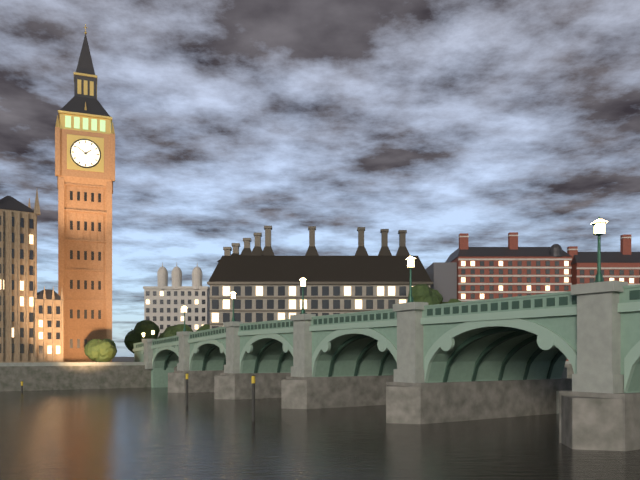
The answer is 1,51
